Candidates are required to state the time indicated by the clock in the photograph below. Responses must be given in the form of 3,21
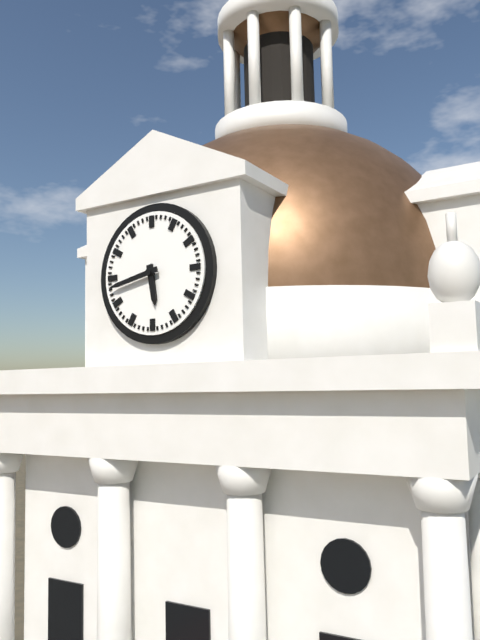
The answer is 5,43
